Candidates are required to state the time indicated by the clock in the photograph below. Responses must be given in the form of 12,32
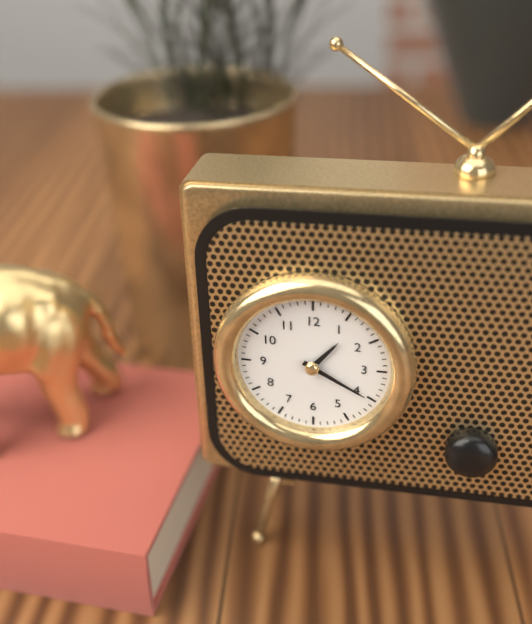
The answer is 1,20
